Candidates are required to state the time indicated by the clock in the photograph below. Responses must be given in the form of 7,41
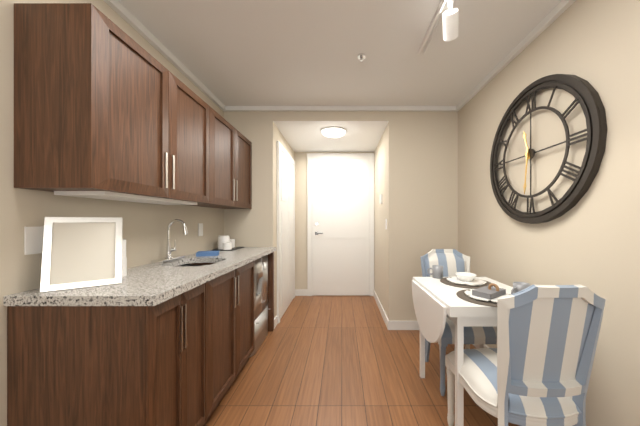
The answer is 11,31
